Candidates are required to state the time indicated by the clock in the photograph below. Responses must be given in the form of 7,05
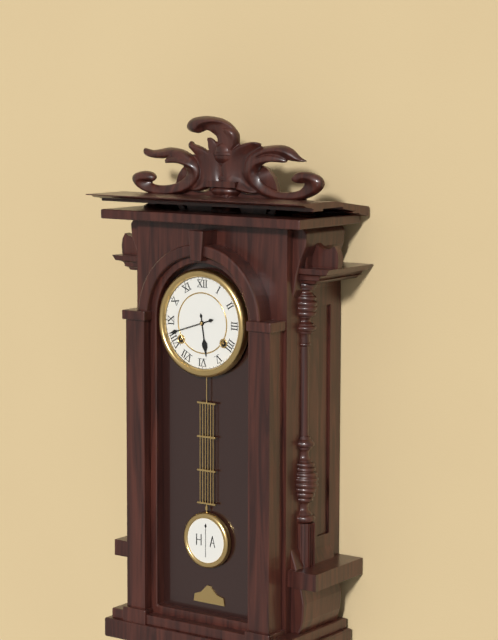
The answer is 5,42
